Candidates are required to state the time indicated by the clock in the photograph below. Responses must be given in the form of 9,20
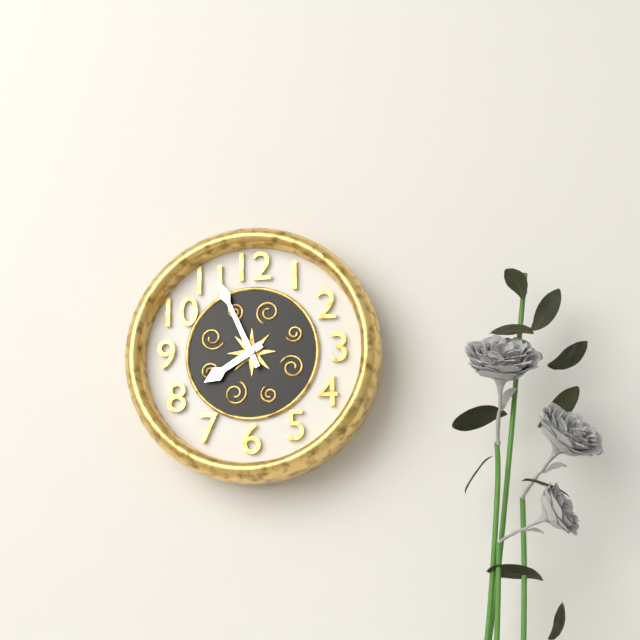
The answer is 7,56
